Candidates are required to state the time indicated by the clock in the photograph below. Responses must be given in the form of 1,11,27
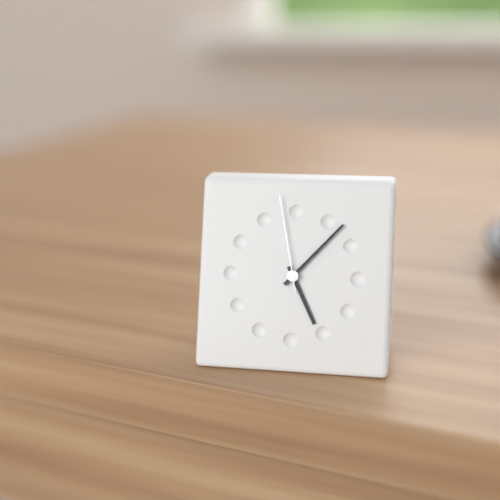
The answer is 5,07,58
